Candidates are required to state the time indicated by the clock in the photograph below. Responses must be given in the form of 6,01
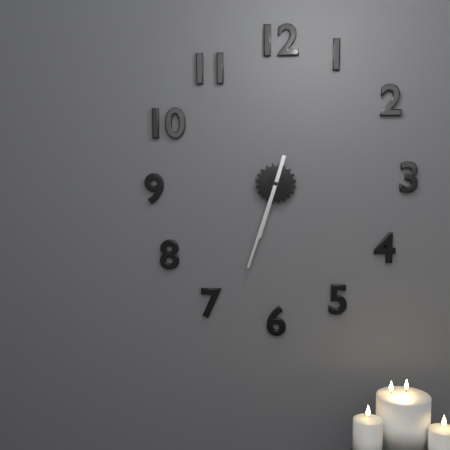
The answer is 6,33
